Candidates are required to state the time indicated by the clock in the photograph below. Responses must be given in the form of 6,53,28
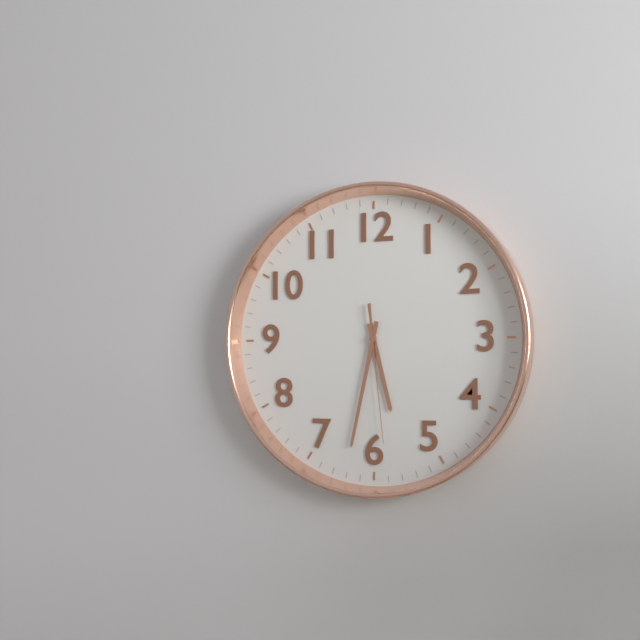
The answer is 5,32,29
